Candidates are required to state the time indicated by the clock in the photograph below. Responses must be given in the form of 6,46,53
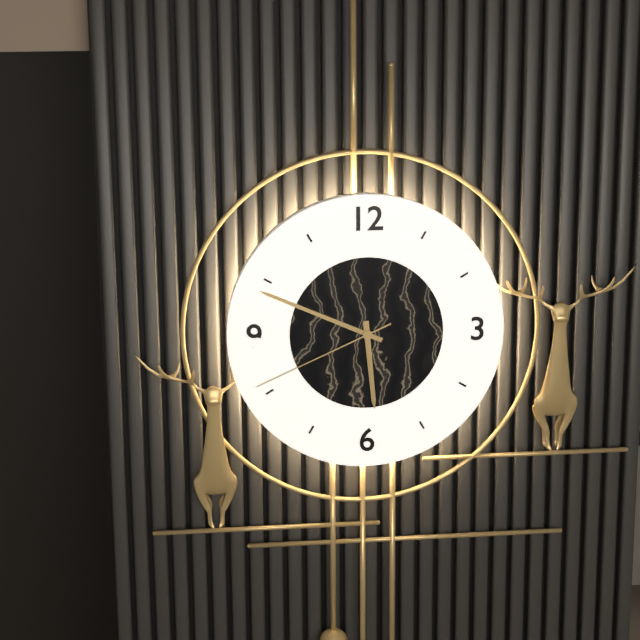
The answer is 5,49,41
